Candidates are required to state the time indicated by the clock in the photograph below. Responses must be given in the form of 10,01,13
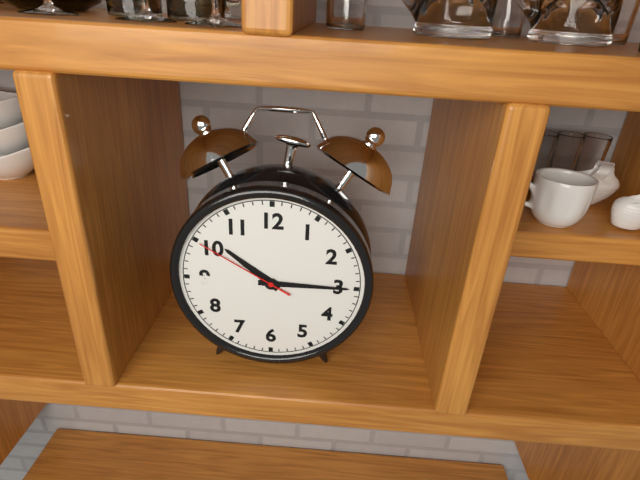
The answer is 10,15,50
